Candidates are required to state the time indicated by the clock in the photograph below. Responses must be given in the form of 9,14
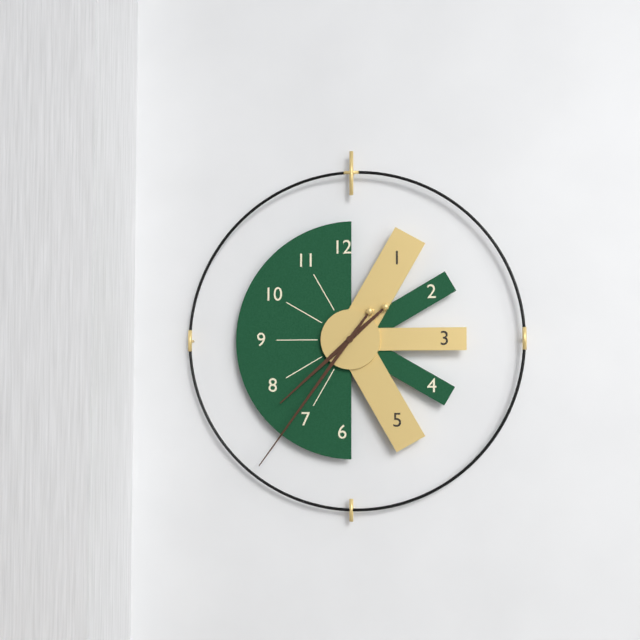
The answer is 7,36
